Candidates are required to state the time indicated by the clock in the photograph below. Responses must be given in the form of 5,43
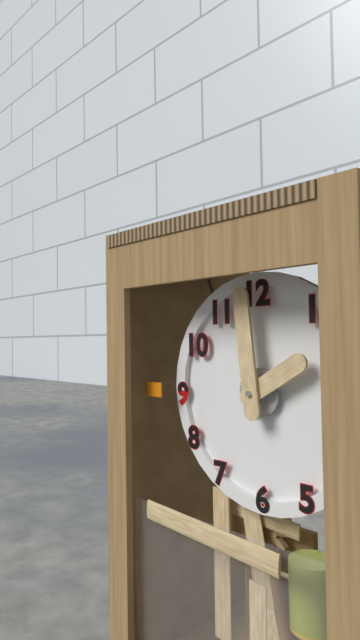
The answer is 1,59
